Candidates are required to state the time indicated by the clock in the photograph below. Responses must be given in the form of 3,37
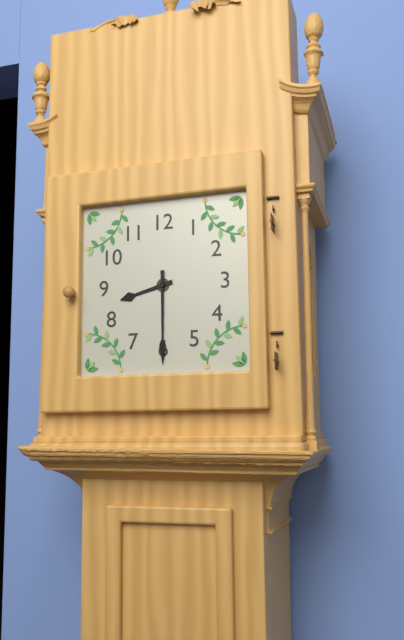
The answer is 8,30
